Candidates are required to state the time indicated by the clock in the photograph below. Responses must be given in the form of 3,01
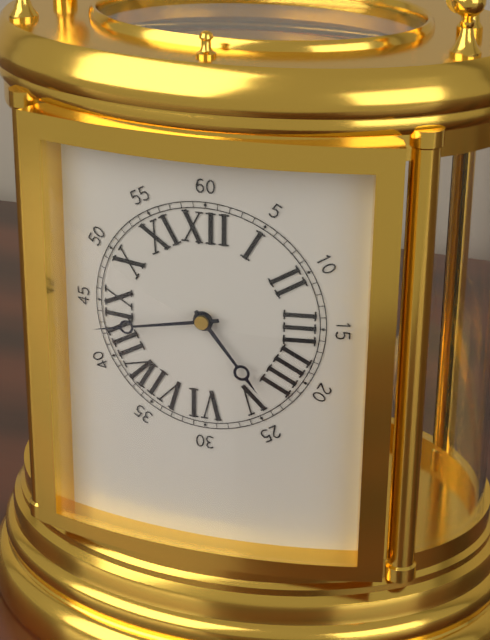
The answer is 4,43
